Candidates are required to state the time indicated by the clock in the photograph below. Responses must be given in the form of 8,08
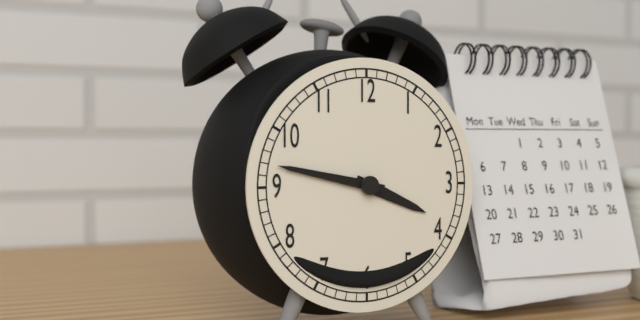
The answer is 3,47
